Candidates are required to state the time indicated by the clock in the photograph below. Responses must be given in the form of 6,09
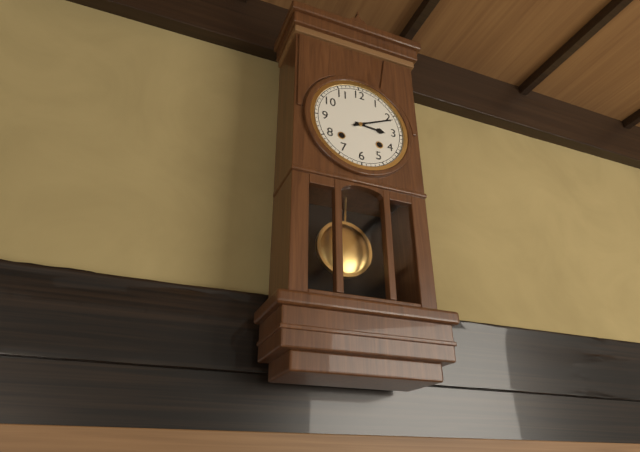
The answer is 3,11
